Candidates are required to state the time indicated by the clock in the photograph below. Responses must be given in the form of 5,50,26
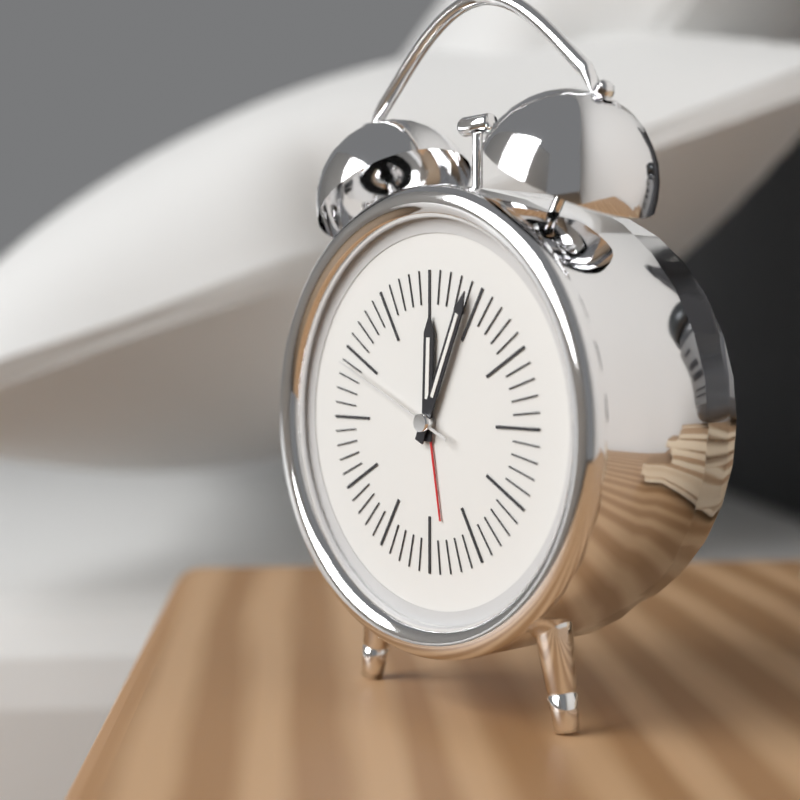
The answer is 12,04,49
